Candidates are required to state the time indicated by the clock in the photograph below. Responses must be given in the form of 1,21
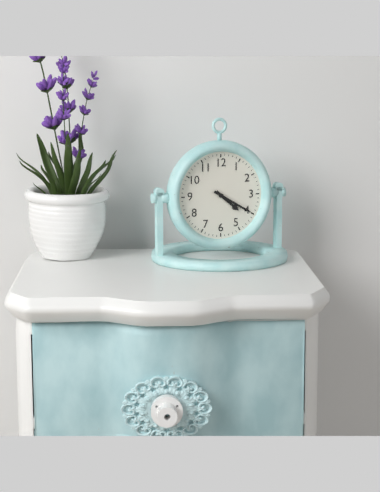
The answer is 4,20
